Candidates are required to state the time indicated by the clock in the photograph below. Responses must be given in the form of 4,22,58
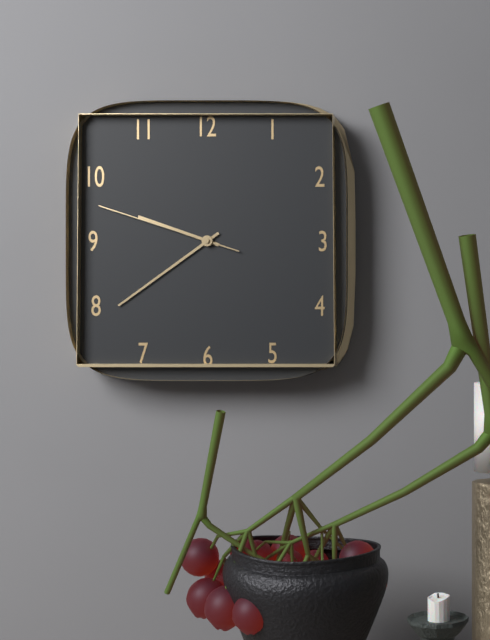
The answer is 9,39,48
